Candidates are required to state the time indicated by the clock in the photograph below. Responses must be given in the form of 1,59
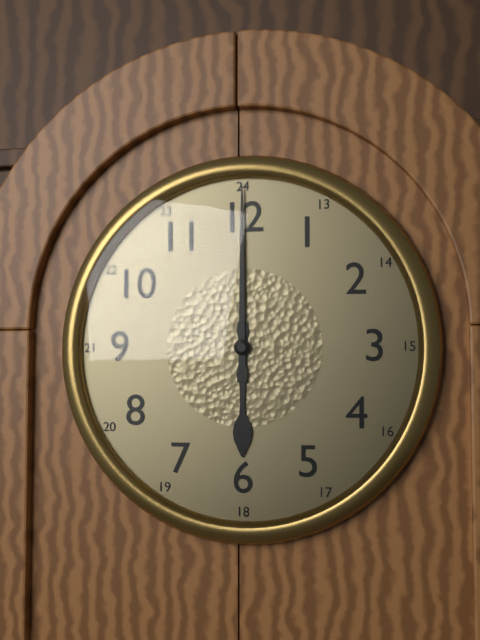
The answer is 6,00
